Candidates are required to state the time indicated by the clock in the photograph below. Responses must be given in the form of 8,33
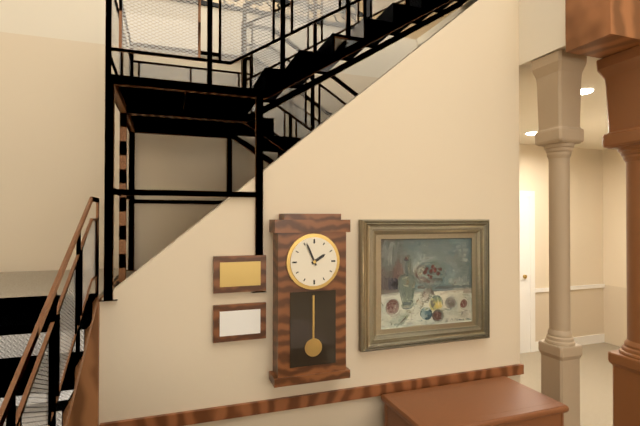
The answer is 1,56
